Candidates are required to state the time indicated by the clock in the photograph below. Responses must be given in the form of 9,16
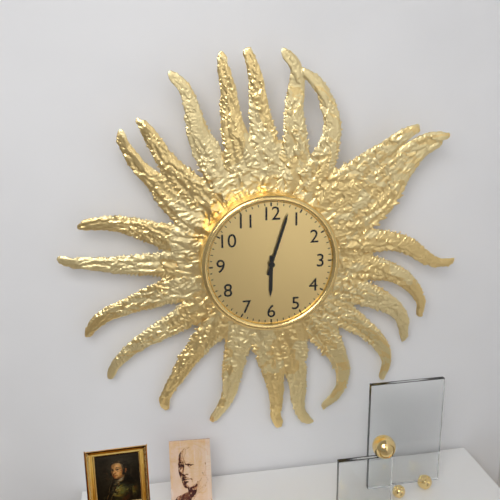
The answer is 6,03
